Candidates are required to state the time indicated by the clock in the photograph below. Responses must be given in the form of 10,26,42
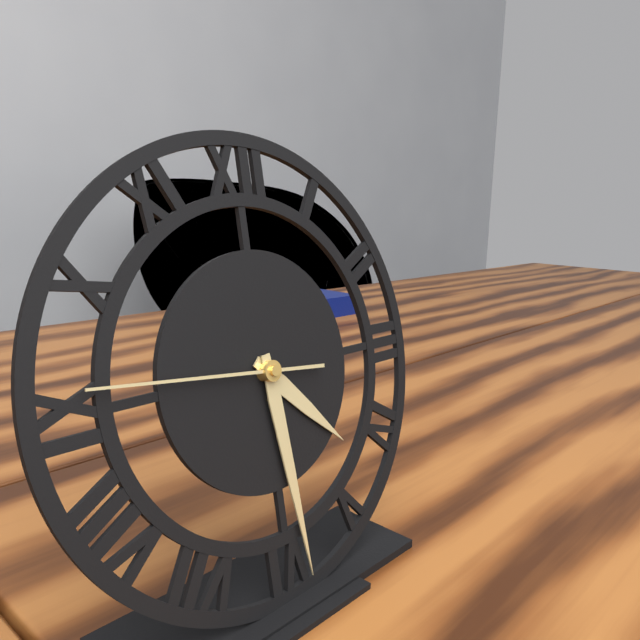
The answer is 4,29,46
